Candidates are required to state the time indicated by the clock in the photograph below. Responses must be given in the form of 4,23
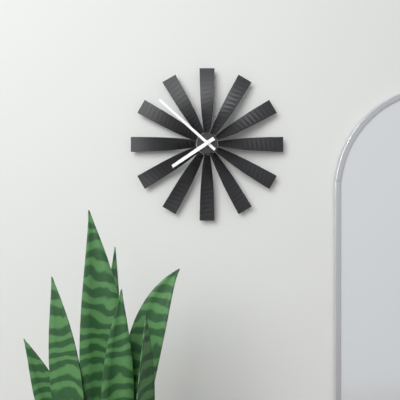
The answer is 7,52
